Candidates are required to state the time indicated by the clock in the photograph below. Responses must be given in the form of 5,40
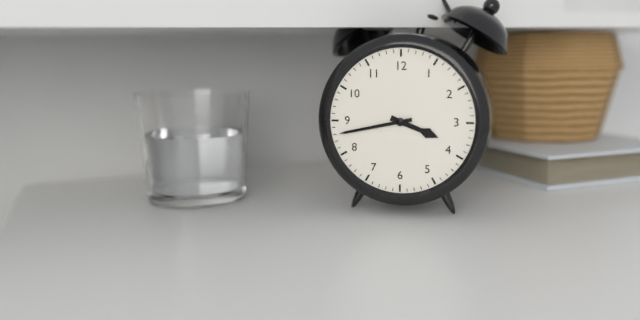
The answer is 3,43
